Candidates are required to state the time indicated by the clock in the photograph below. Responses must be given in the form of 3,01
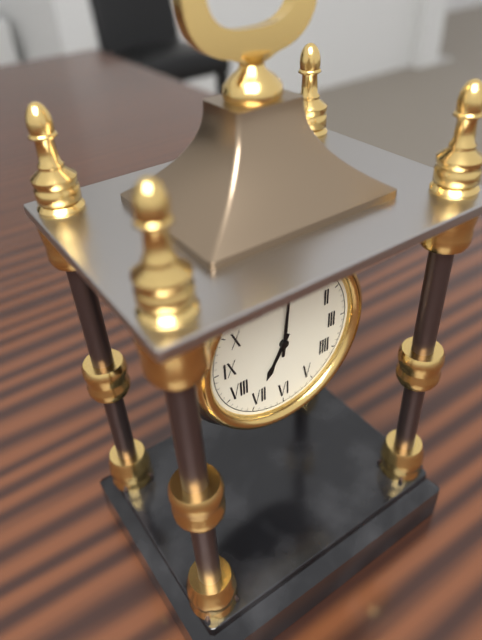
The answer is 7,01
